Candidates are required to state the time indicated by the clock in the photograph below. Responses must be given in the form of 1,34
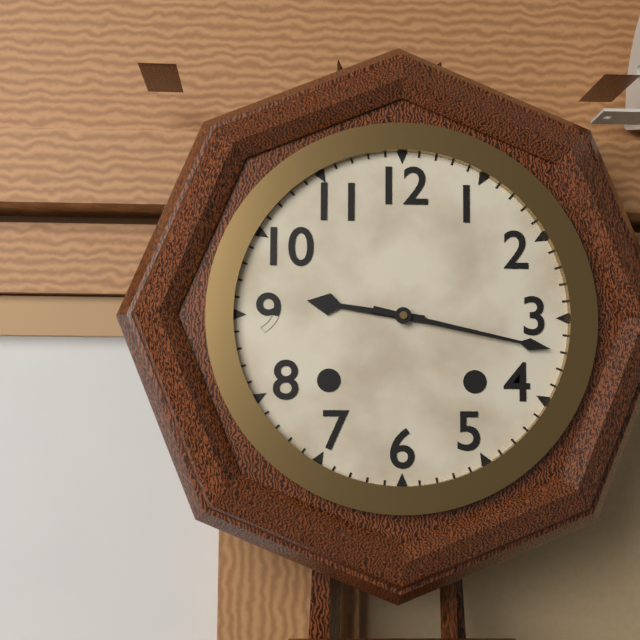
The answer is 9,17
